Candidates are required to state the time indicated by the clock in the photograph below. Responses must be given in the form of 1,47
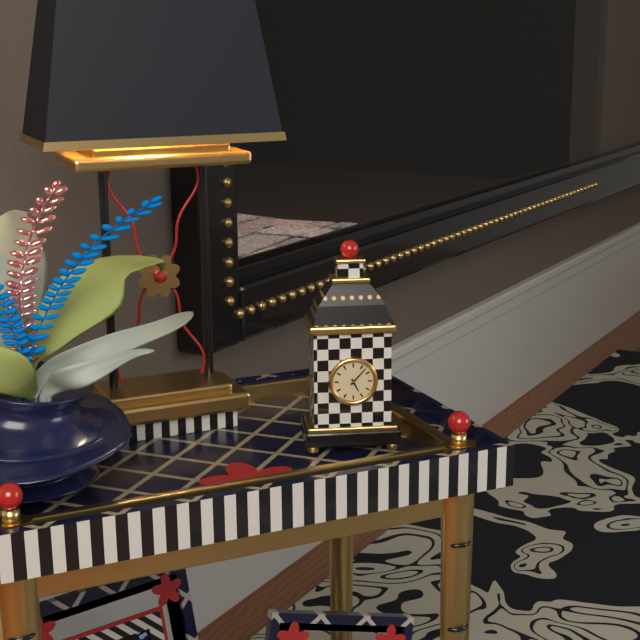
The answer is 5,07
